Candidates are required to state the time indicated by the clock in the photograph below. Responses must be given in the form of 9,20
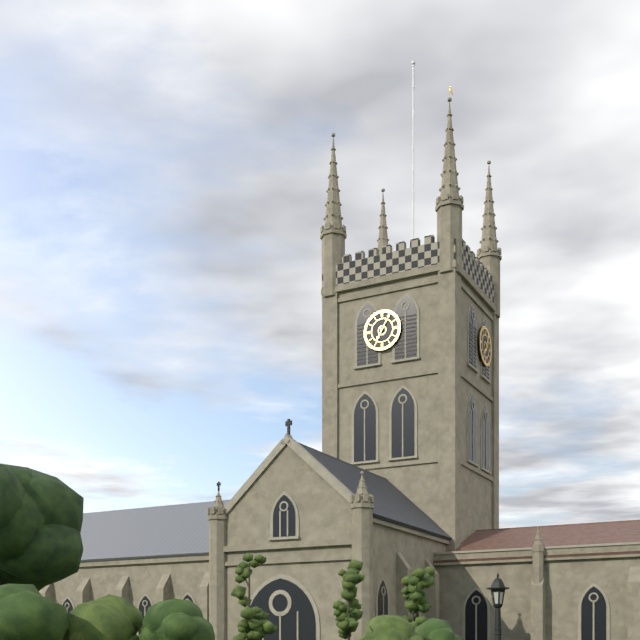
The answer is 7,05
